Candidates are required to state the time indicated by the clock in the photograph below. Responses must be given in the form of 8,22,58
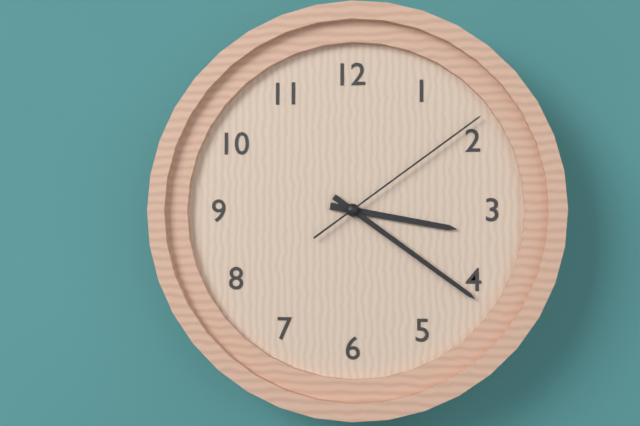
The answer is 3,21,09
